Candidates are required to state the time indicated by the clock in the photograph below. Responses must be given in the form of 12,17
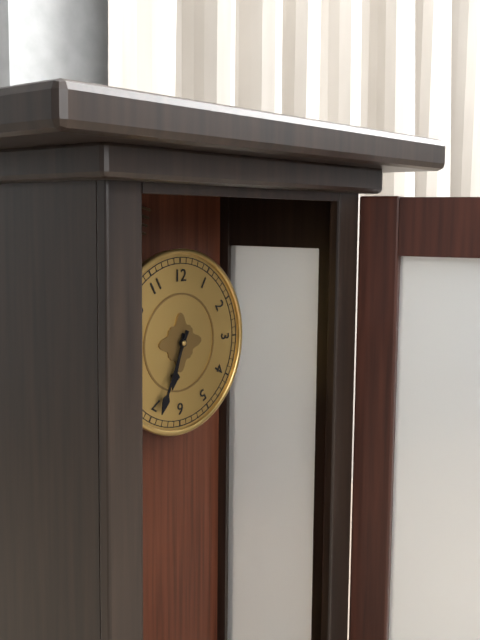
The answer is 6,34
